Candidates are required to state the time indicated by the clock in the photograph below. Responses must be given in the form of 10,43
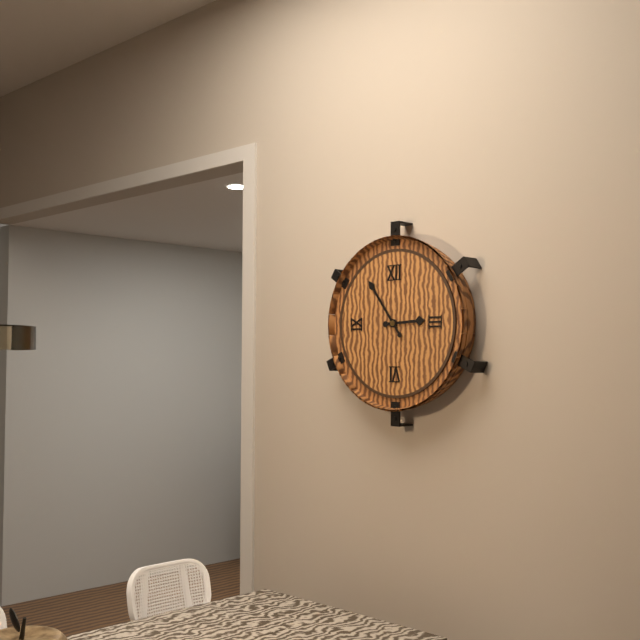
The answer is 2,54
